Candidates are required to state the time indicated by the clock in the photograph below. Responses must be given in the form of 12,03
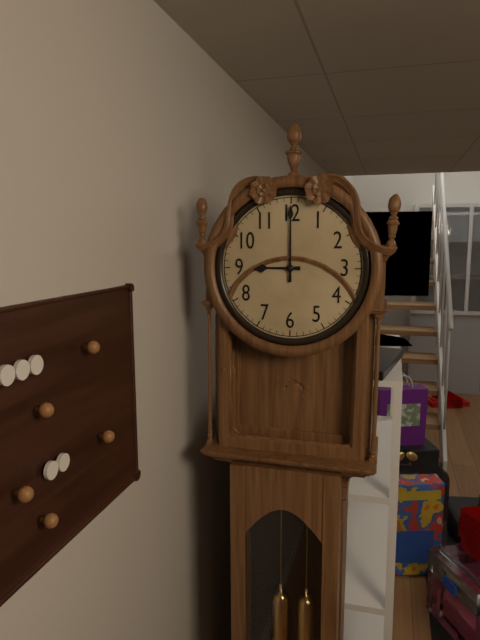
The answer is 9,00
